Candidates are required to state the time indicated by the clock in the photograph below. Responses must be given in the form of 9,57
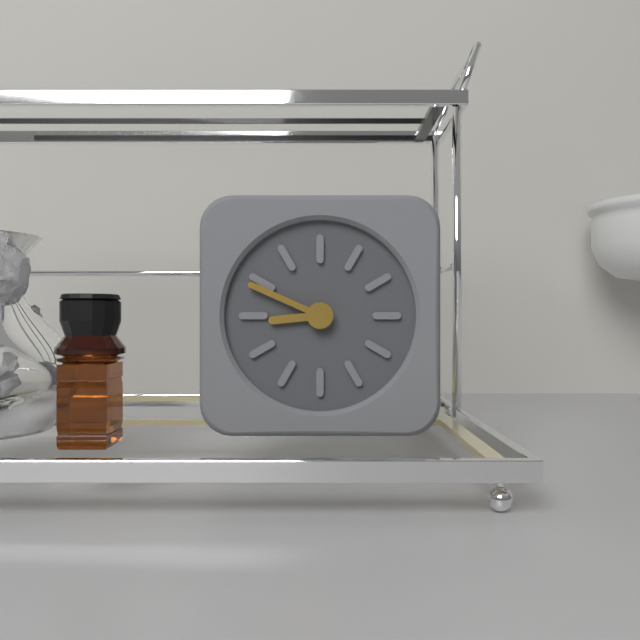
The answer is 8,49
